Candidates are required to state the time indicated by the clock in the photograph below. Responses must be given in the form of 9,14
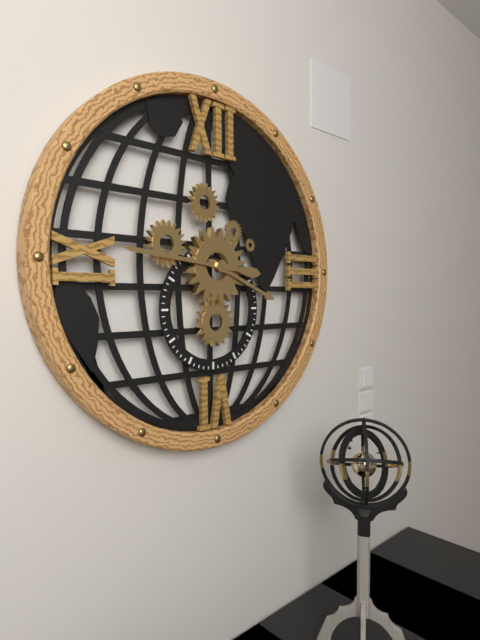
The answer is 3,46
